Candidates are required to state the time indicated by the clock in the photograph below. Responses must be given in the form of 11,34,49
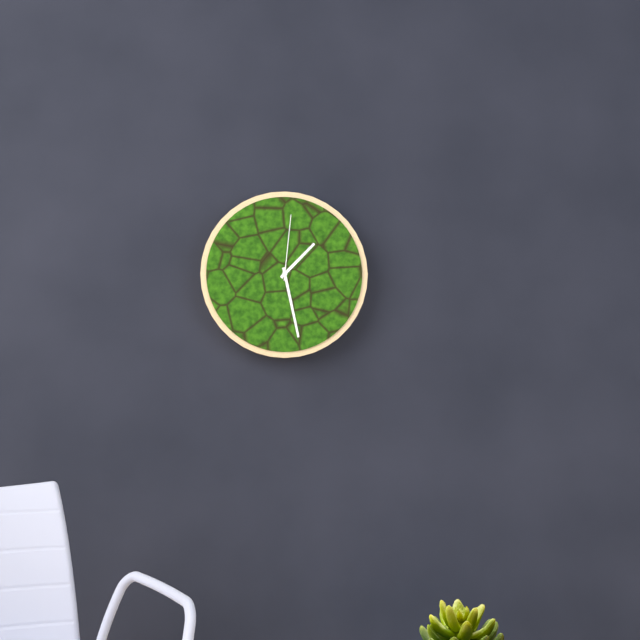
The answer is 1,28,01
